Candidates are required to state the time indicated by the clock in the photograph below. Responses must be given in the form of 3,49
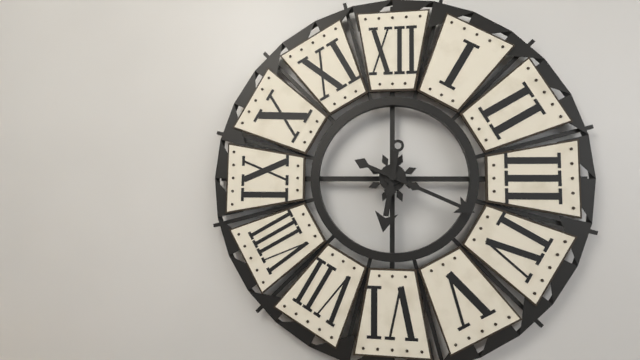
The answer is 6,19
